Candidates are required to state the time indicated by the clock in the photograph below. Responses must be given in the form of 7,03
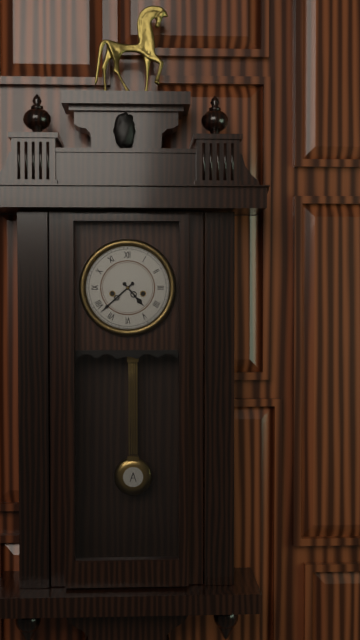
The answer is 4,38
